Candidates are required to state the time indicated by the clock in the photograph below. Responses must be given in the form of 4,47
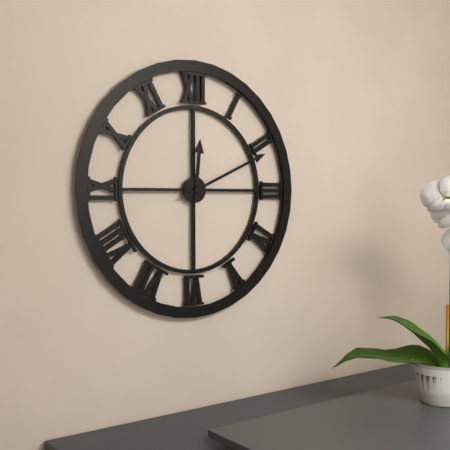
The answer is 12,11
